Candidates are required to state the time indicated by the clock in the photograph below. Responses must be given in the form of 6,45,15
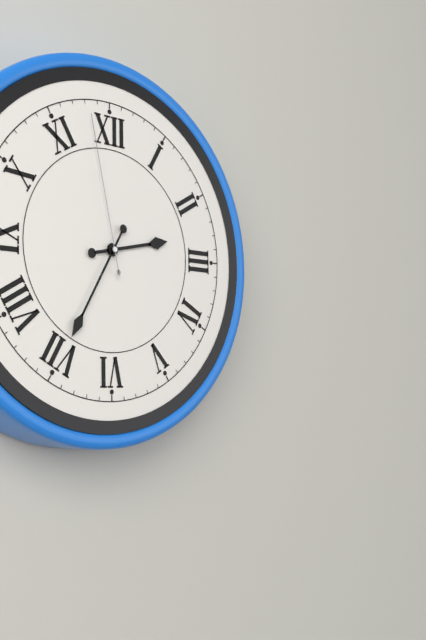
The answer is 2,35,58
